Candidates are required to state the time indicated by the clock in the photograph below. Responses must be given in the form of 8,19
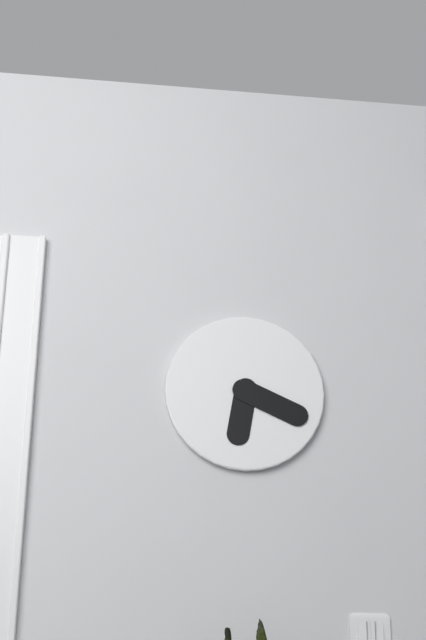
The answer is 6,19
